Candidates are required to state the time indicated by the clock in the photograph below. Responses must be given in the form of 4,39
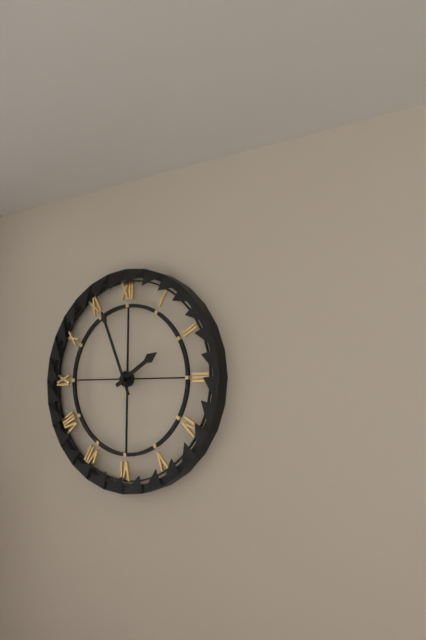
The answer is 1,56
